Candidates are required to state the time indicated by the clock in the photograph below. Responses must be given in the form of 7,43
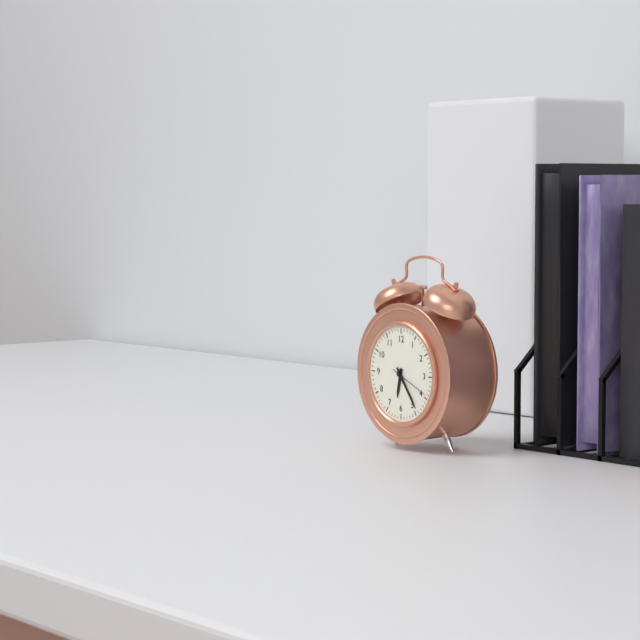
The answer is 6,24
